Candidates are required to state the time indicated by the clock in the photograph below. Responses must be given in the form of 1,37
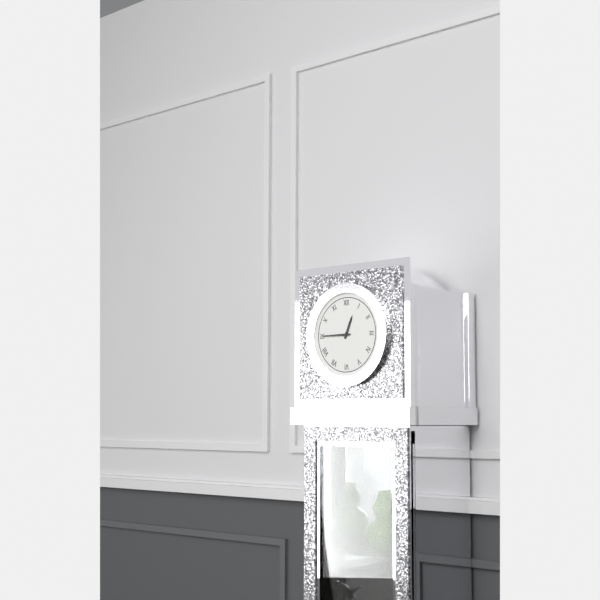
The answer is 12,45
